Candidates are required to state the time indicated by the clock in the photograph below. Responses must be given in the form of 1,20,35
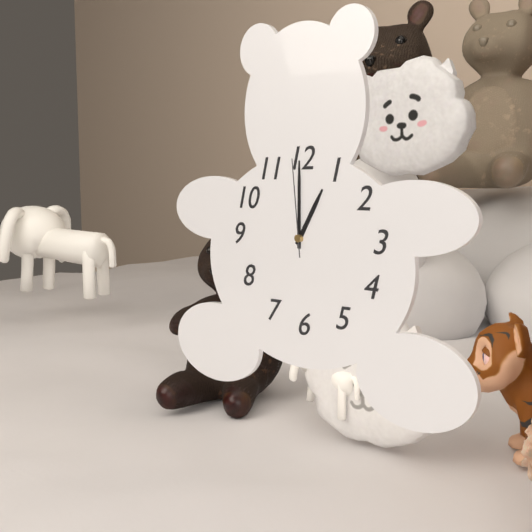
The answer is 1,00,59
